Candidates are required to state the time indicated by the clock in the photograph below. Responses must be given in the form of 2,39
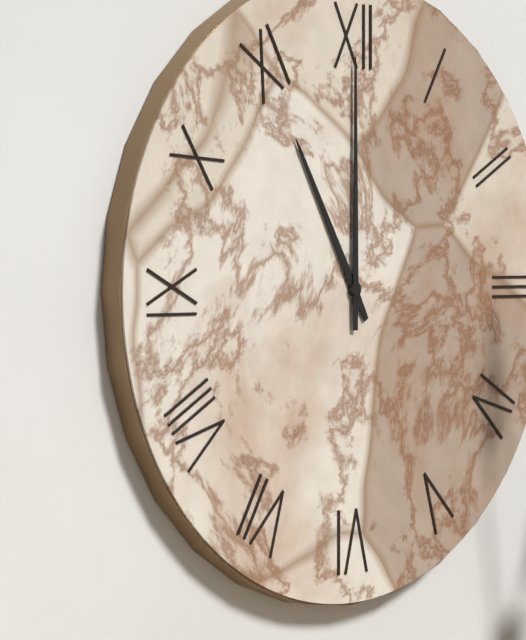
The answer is 11,00
